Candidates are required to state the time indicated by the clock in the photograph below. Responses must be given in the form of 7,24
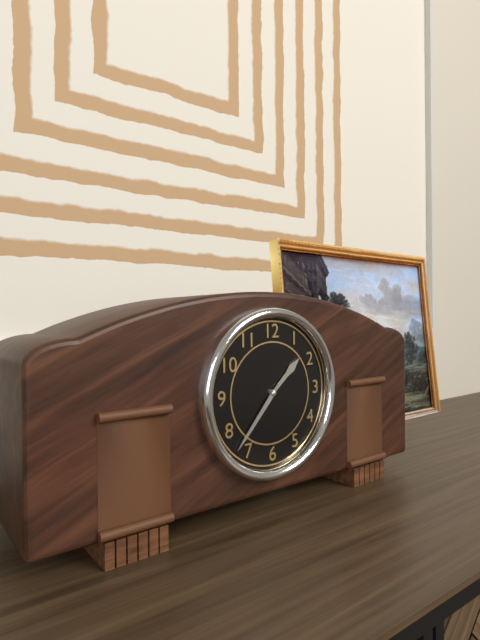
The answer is 1,37
